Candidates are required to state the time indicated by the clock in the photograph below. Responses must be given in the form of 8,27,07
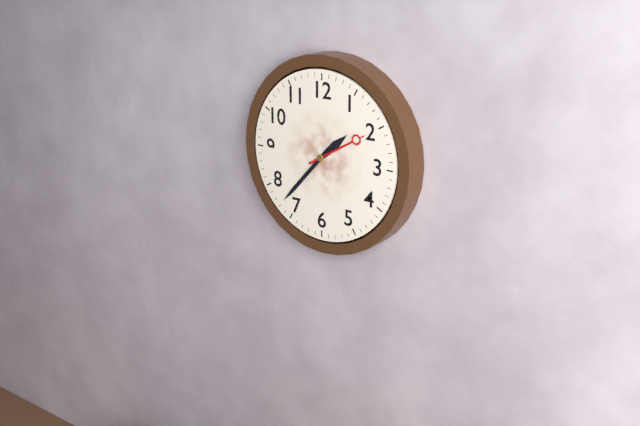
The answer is 1,37,10
